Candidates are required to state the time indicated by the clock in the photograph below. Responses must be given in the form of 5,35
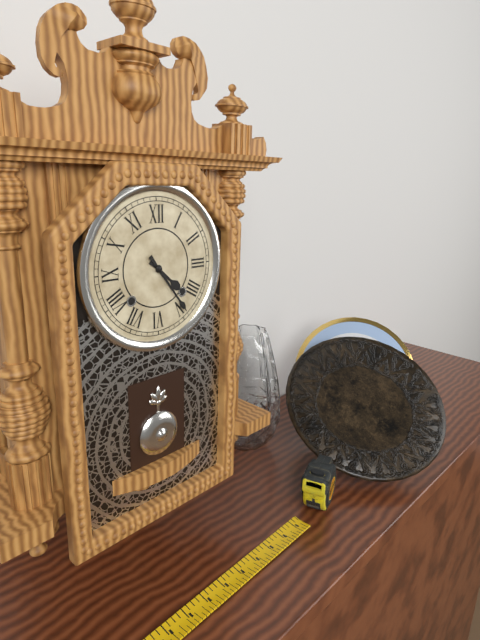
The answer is 4,24
